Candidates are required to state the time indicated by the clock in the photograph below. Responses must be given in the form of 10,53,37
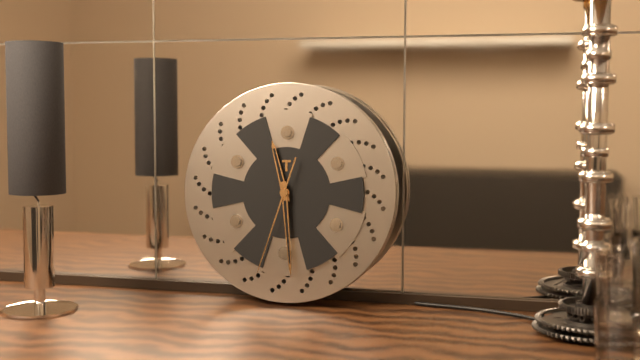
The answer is 11,29,33
